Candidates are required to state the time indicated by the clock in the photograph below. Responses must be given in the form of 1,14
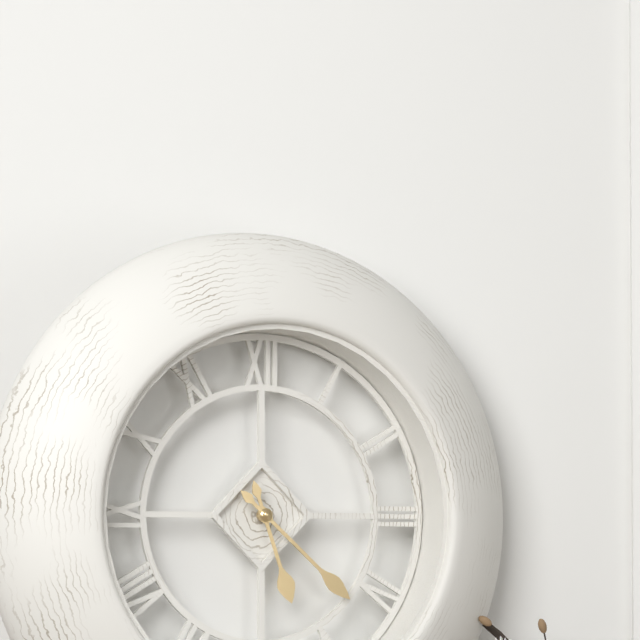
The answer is 5,22
